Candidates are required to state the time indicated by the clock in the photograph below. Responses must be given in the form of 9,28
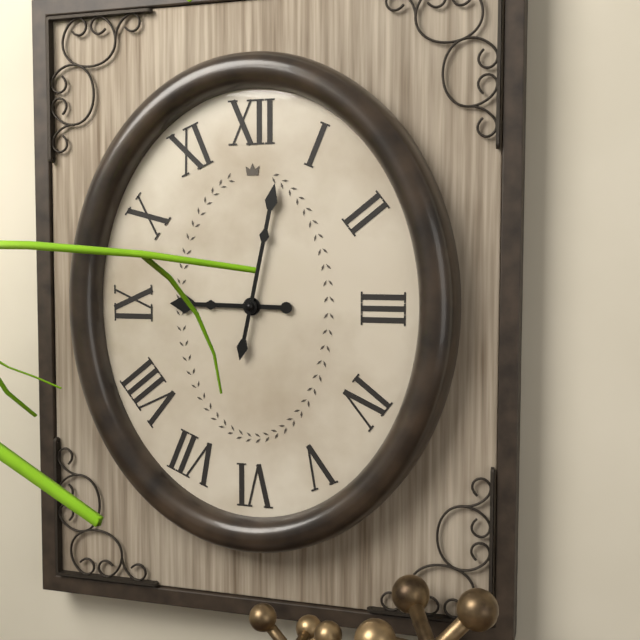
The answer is 9,02
